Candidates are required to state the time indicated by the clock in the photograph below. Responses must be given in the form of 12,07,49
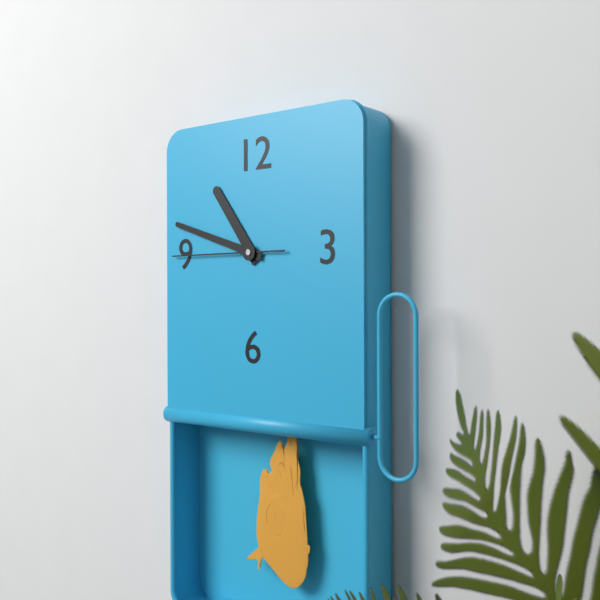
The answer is 10,48,45
